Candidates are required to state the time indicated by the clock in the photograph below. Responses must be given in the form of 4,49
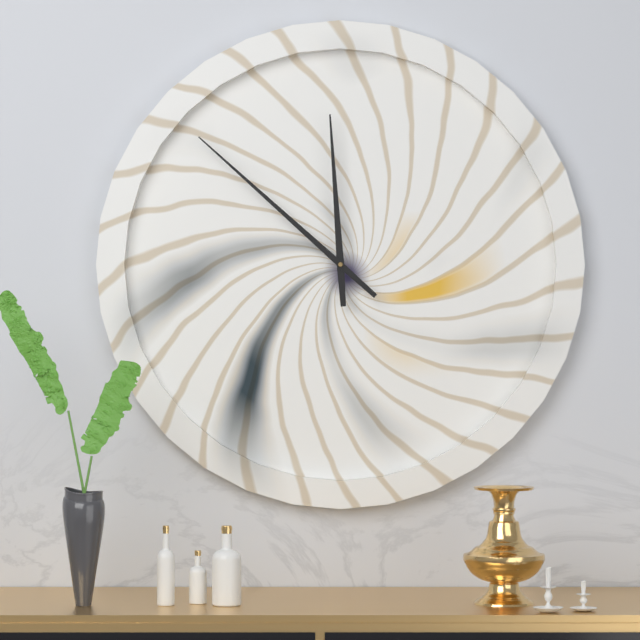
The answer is 11,52
